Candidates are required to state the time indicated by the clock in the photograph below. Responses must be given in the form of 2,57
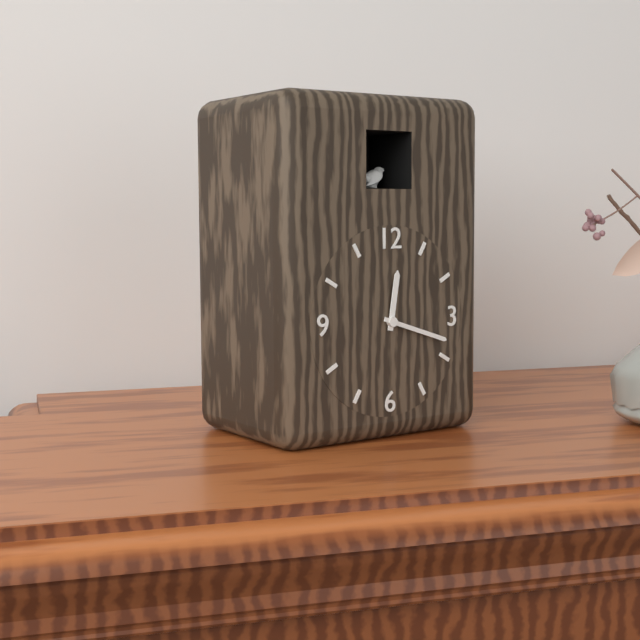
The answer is 12,18
